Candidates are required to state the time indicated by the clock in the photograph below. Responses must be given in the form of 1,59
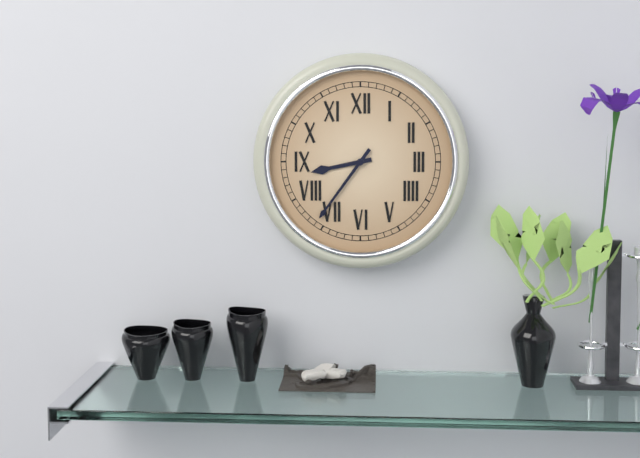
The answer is 8,36
